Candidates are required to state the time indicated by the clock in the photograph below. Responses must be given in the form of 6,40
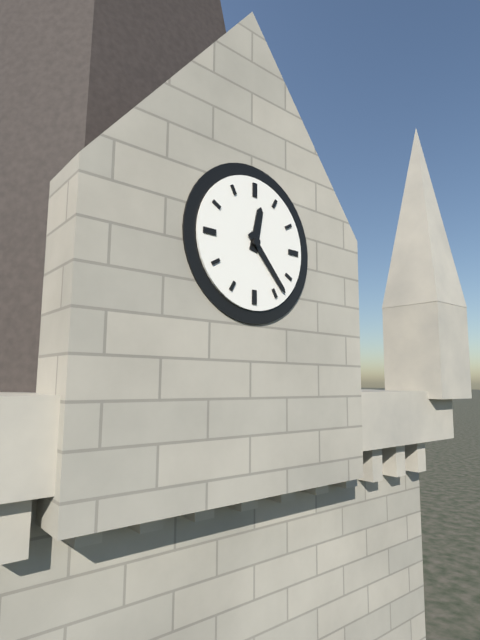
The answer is 12,23
